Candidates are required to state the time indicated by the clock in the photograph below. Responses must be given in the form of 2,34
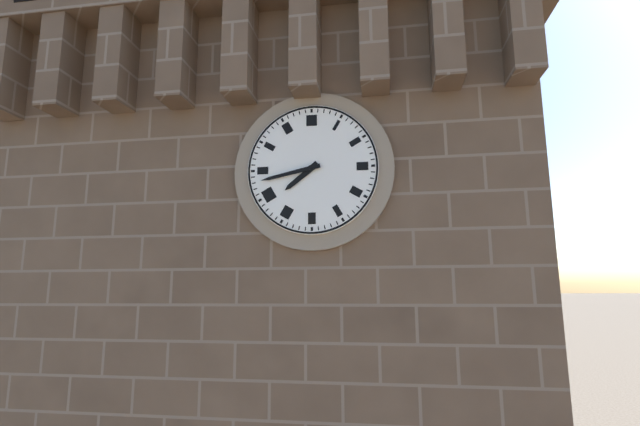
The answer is 7,43
